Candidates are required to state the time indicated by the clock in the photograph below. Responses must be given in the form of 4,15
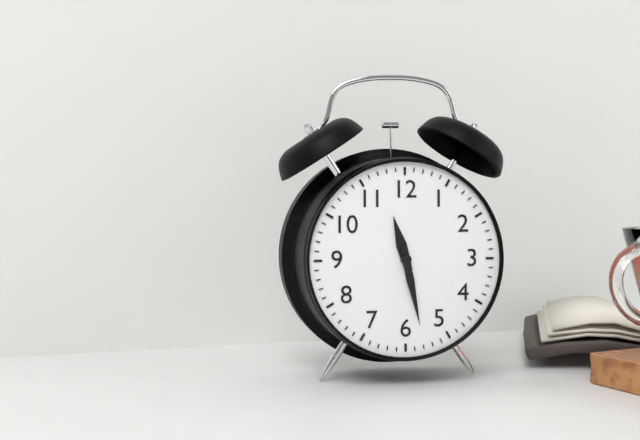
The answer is 11,28
